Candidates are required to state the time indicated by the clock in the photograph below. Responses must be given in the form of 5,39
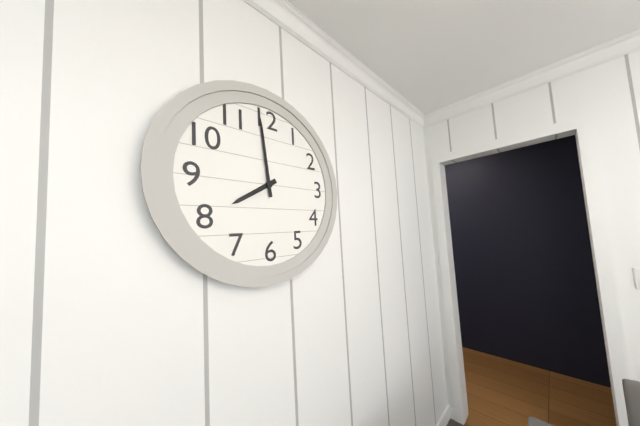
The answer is 7,59
